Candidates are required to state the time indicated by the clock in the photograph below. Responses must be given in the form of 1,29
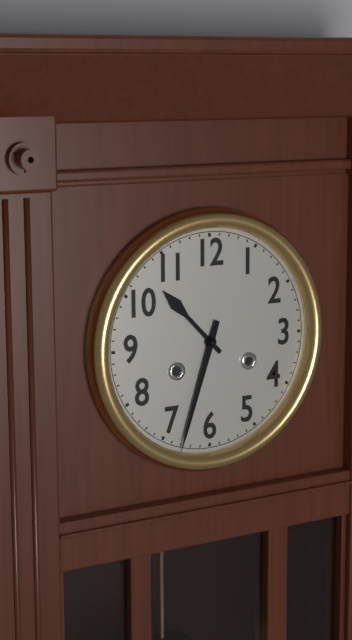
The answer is 10,33
